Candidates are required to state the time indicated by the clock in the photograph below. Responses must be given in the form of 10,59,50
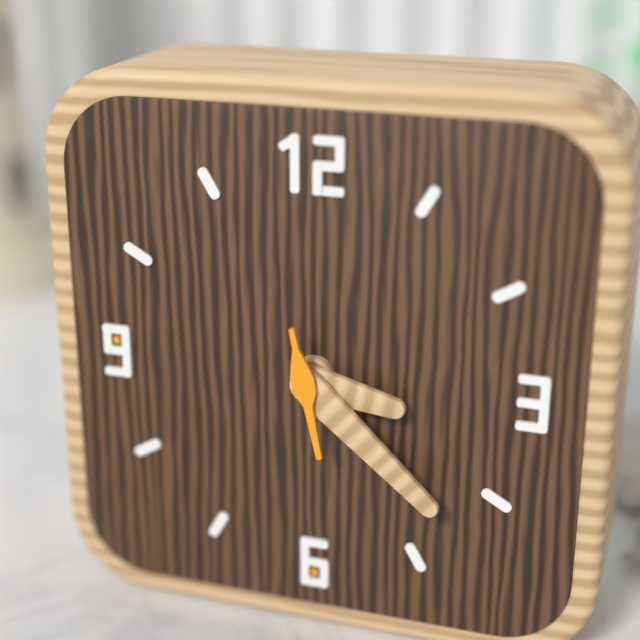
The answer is 3,22,28
